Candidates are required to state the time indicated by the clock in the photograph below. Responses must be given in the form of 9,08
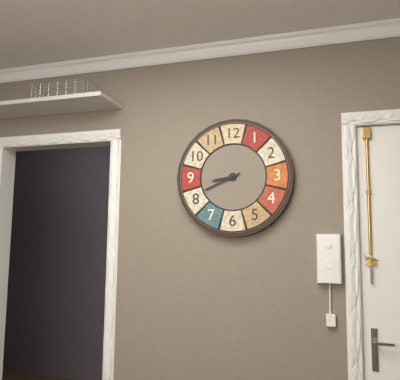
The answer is 8,41
